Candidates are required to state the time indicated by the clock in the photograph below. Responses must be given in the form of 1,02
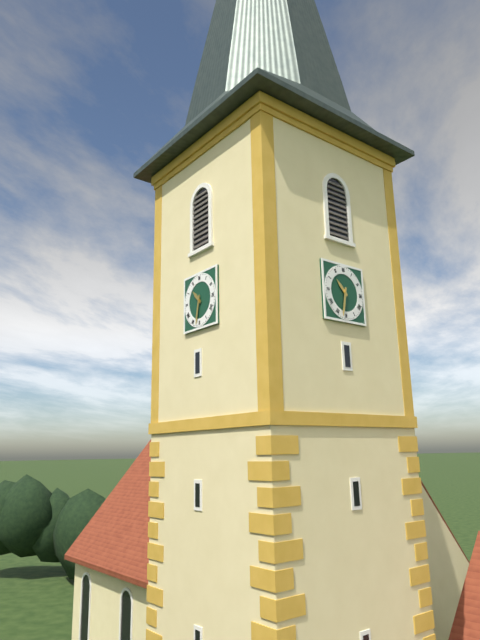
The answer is 10,32
